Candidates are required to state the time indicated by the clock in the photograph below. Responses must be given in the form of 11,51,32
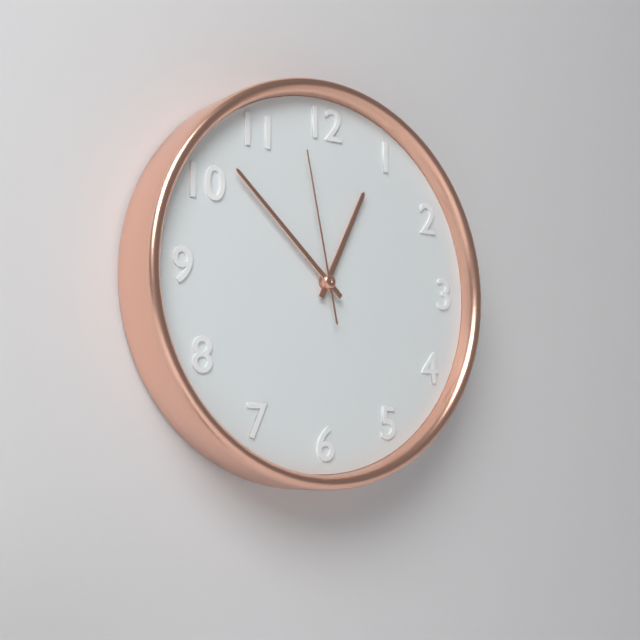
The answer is 12,52,58
